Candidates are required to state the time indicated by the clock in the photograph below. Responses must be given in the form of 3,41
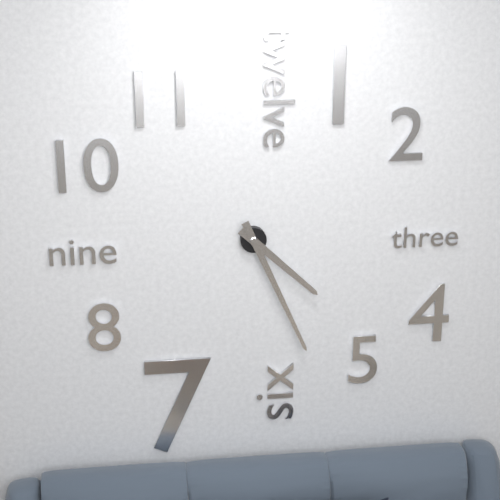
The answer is 4,26
